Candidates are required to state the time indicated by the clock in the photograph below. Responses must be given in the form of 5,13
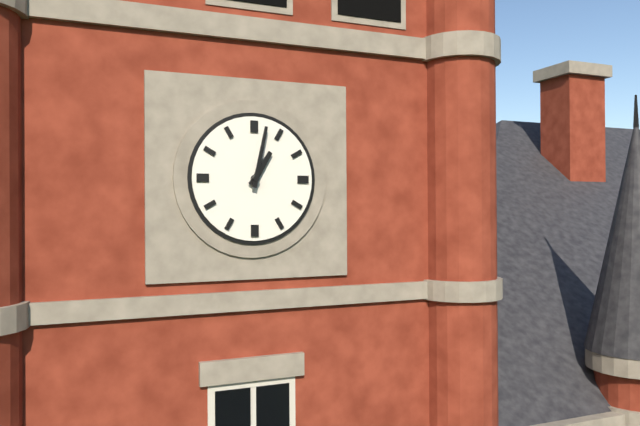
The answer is 1,02
